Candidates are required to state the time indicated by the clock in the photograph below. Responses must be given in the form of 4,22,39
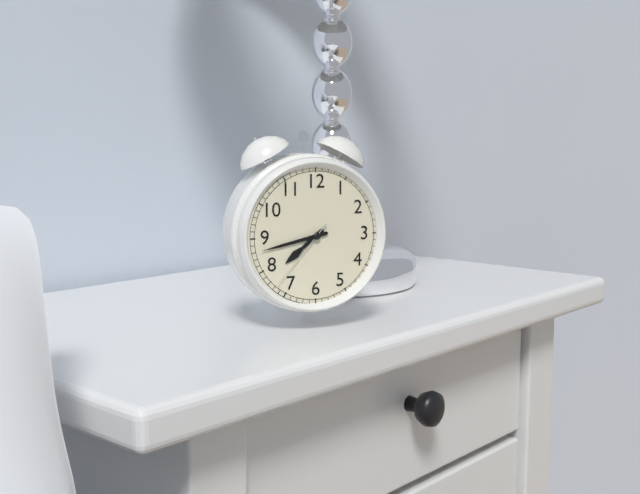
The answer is 7,43,37
